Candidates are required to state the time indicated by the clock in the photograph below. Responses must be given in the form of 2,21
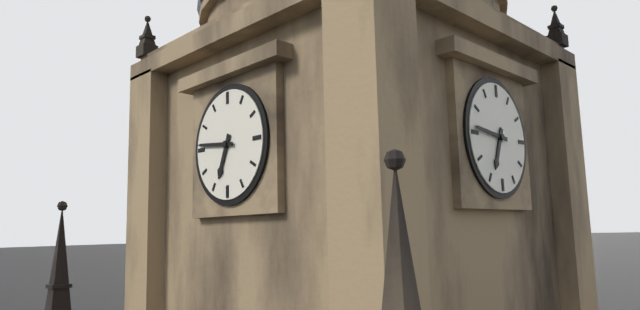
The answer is 6,46
